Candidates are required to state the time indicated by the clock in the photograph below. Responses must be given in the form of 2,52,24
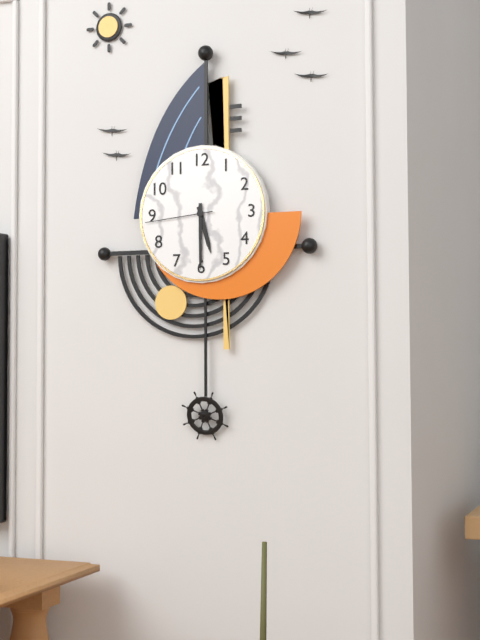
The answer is 5,30,44
